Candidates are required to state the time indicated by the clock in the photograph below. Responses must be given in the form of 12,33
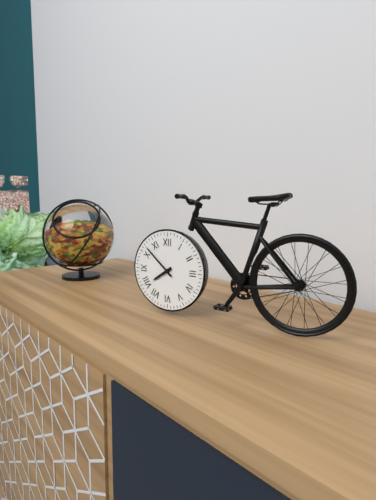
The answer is 7,52
